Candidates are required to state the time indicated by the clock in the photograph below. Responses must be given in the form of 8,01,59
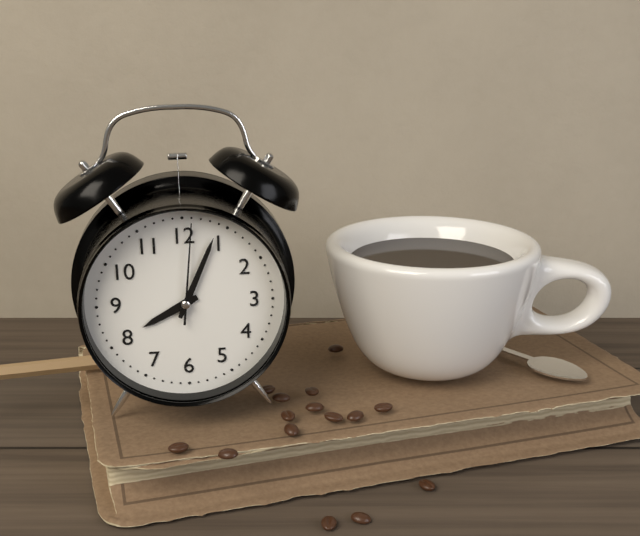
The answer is 8,04,01
